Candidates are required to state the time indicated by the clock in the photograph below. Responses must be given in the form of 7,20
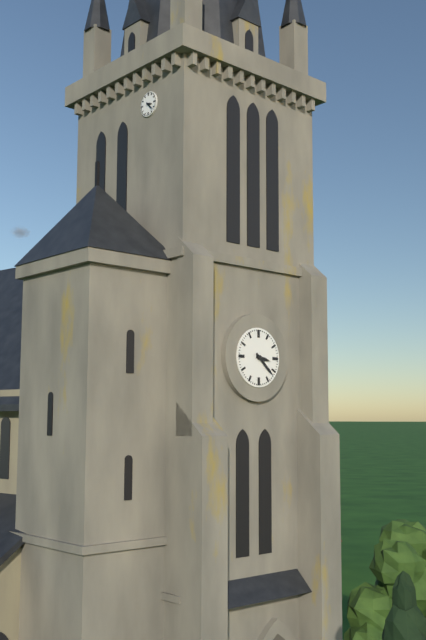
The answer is 3,22
